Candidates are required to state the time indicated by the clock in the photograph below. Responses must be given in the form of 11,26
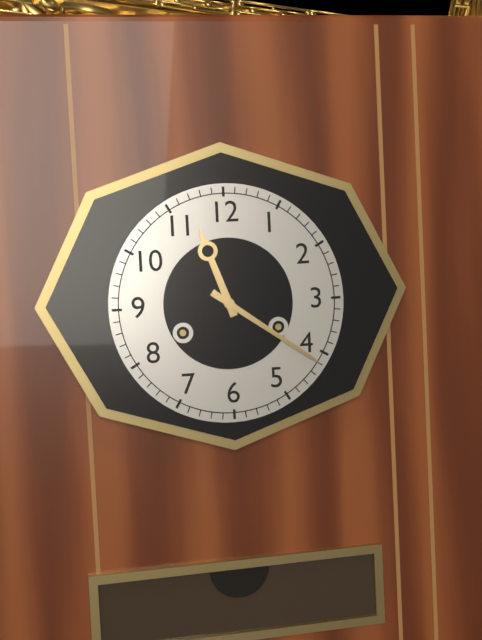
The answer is 11,21
